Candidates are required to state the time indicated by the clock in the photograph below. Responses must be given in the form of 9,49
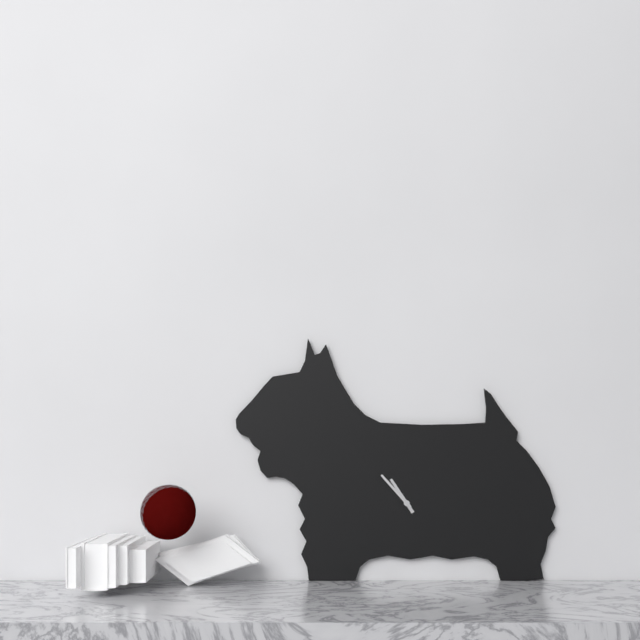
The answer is 10,53
